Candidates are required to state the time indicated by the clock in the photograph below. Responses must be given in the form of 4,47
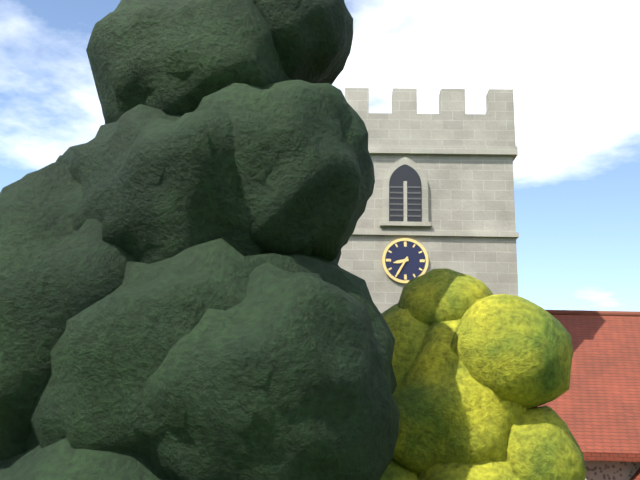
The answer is 8,35
